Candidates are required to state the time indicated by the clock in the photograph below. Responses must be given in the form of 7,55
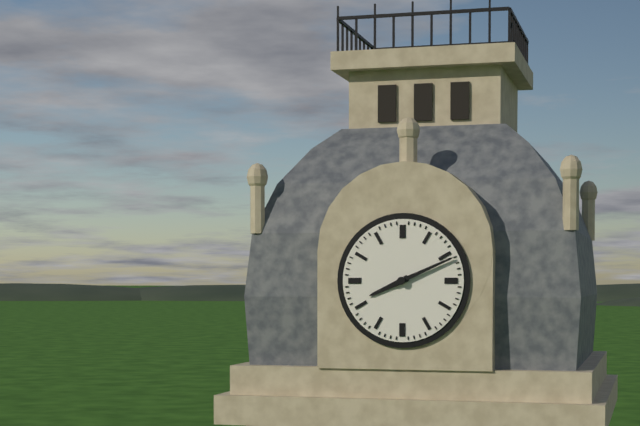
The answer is 8,11
